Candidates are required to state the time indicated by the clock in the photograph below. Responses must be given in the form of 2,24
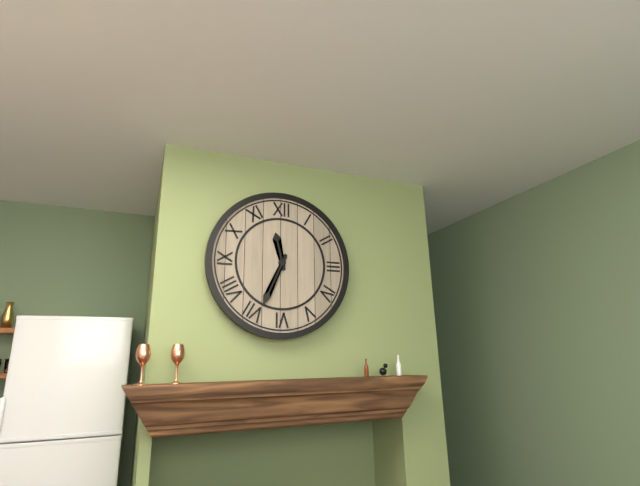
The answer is 11,34
